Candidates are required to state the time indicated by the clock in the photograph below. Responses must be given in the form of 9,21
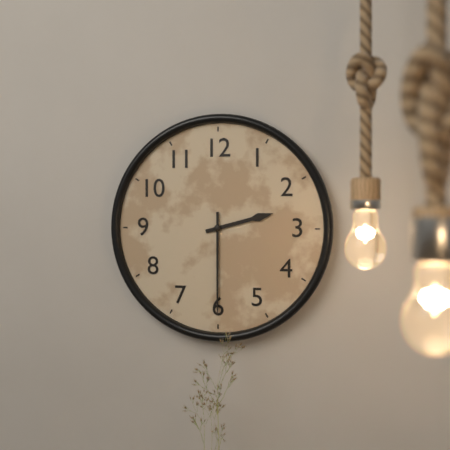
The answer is 2,30
